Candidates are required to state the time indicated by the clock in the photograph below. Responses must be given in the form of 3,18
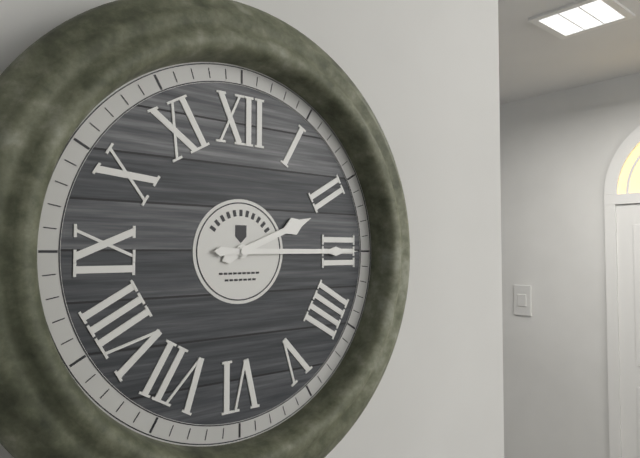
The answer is 2,15
